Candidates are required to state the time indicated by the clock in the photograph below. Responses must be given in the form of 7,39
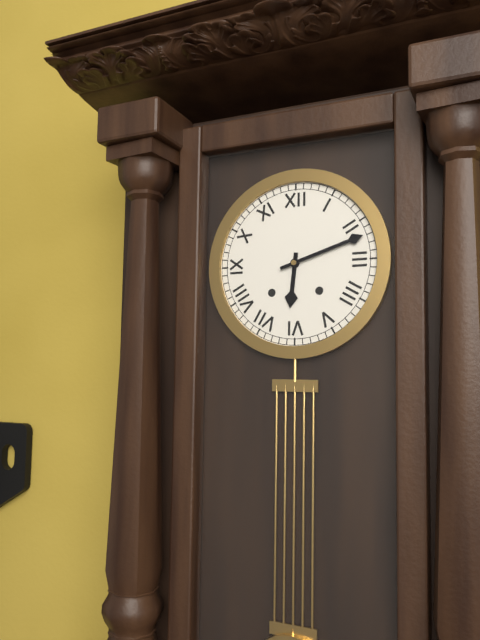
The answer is 6,12
